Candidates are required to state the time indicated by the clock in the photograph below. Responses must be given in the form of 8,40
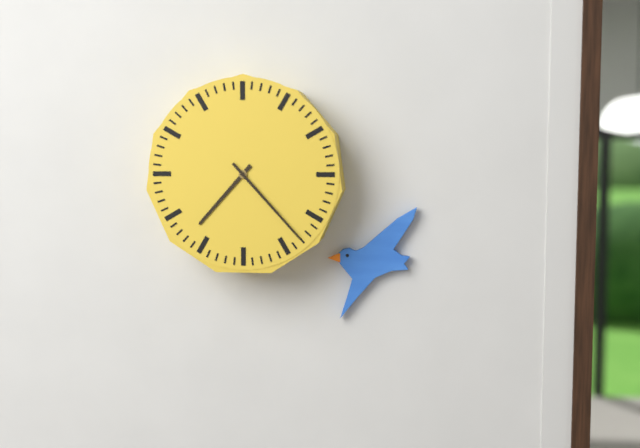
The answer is 7,23
